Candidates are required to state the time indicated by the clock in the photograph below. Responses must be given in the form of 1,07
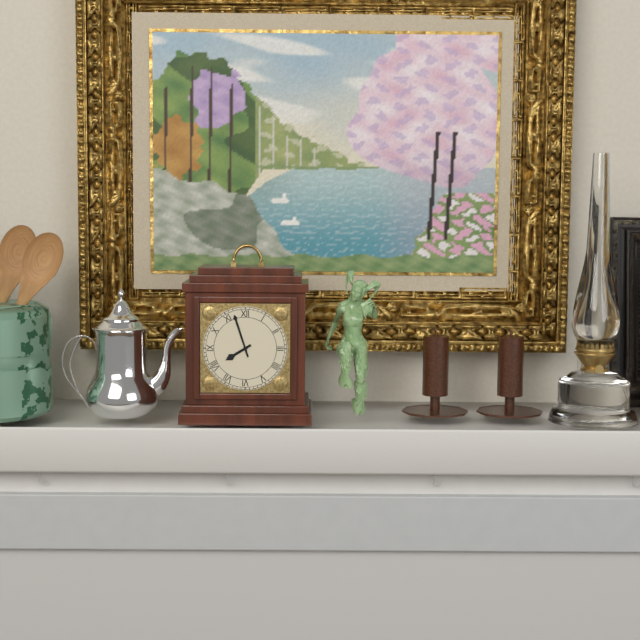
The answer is 7,57
